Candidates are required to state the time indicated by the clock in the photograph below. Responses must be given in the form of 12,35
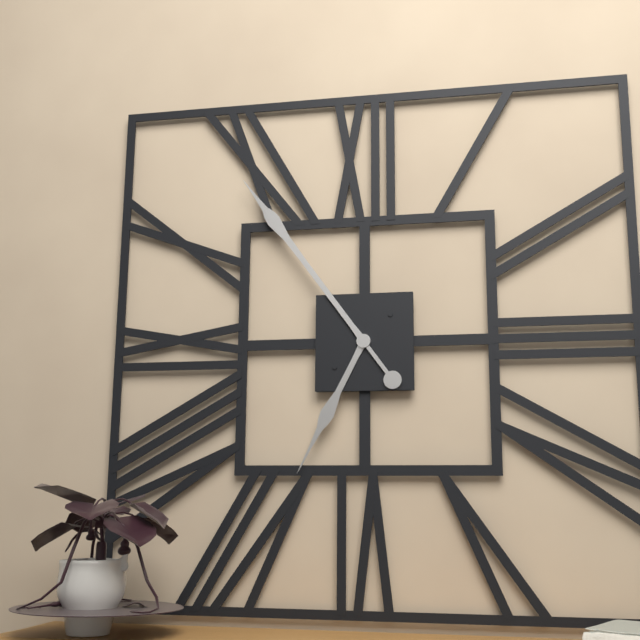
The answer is 6,54
